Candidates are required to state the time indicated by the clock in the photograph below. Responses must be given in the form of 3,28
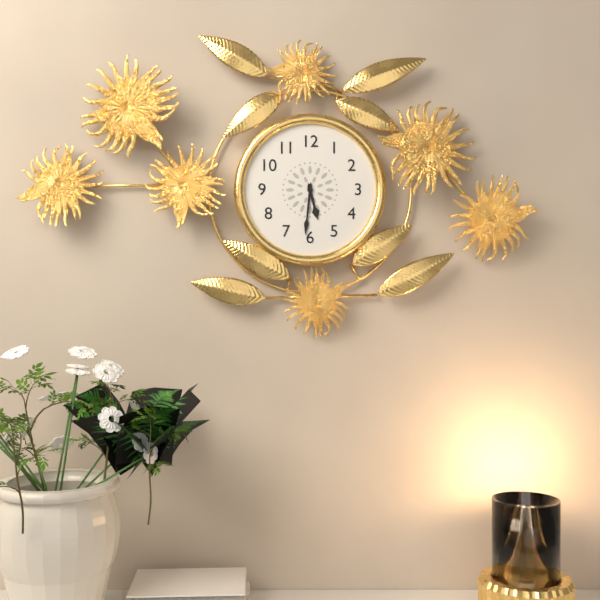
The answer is 5,31
